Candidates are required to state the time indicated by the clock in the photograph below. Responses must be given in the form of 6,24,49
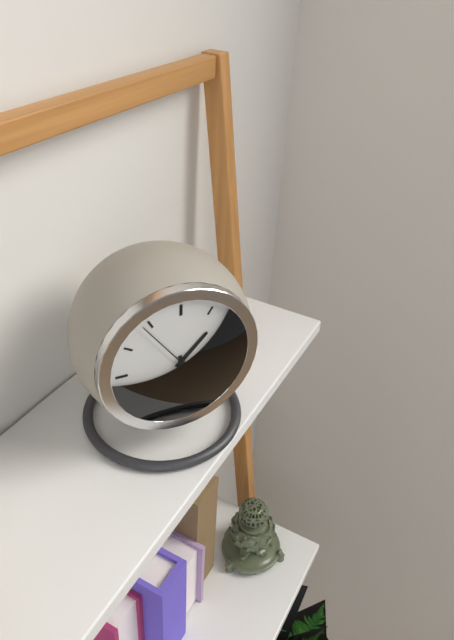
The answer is 1,28,54
